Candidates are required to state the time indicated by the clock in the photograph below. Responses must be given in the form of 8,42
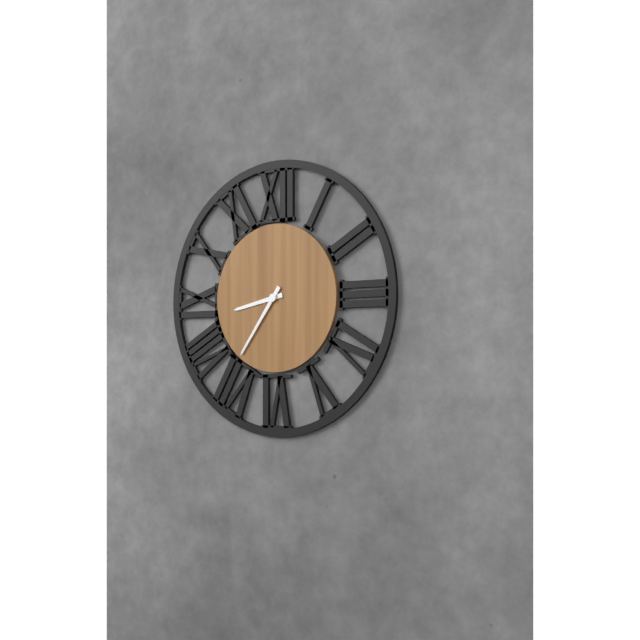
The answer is 8,36
